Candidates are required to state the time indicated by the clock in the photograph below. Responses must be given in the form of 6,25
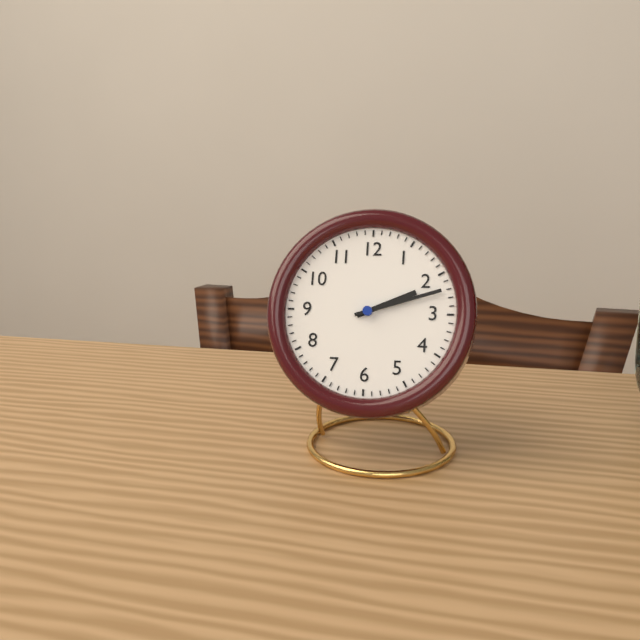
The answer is 2,12
